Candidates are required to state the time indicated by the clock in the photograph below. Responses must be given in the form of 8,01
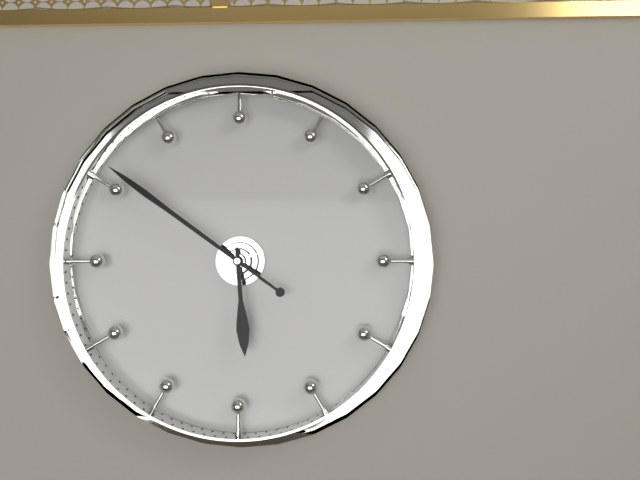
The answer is 5,51
